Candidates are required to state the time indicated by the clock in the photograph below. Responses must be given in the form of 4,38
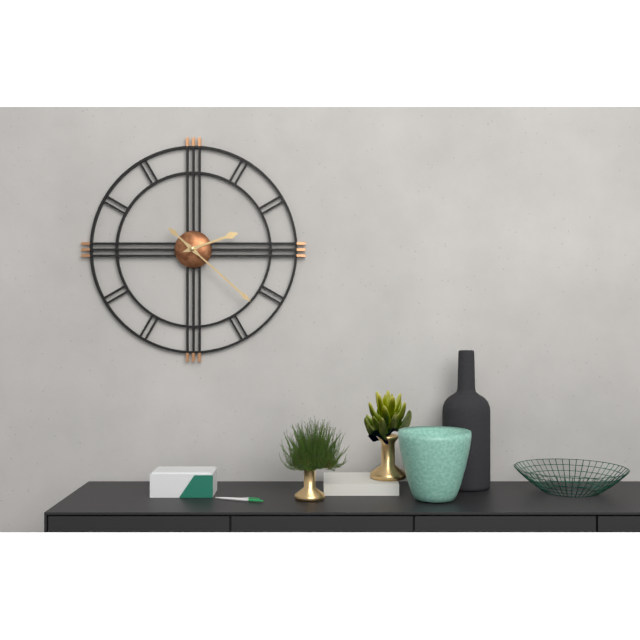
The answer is 2,22
